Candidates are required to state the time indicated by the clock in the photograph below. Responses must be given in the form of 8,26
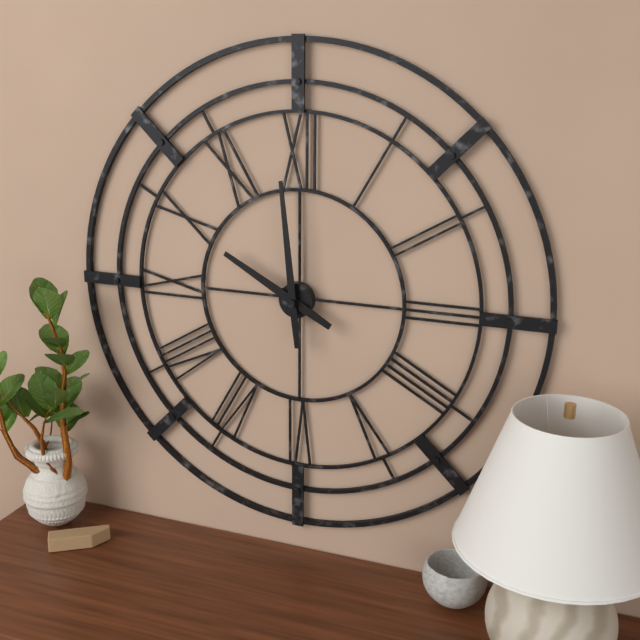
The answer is 9,59
